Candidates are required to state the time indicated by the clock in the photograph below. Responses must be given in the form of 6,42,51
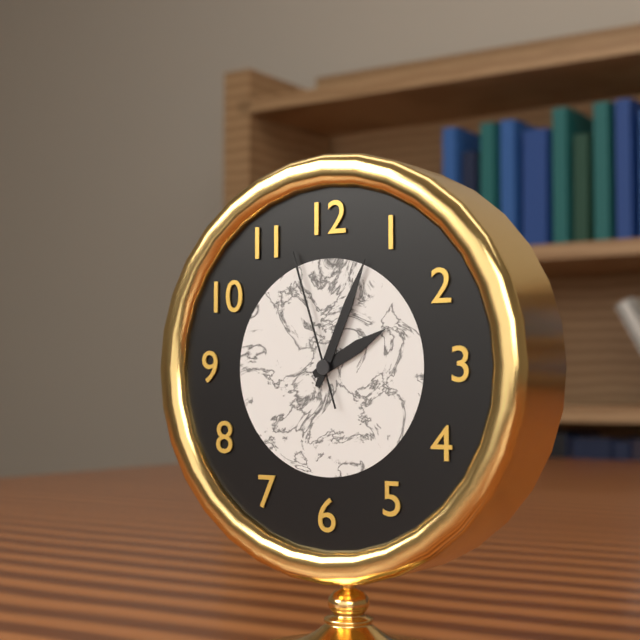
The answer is 2,04,57
